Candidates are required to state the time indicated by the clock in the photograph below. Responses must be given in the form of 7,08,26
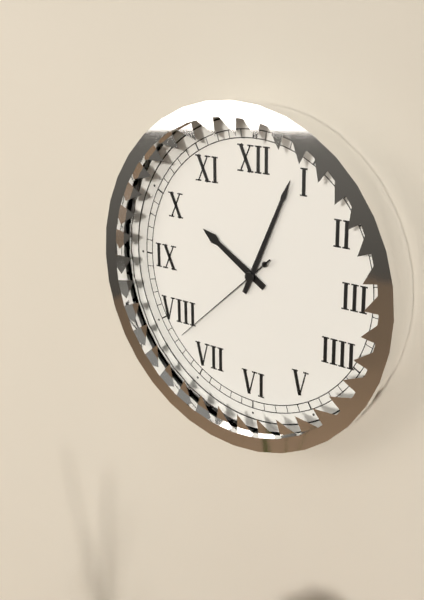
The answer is 10,04,38
